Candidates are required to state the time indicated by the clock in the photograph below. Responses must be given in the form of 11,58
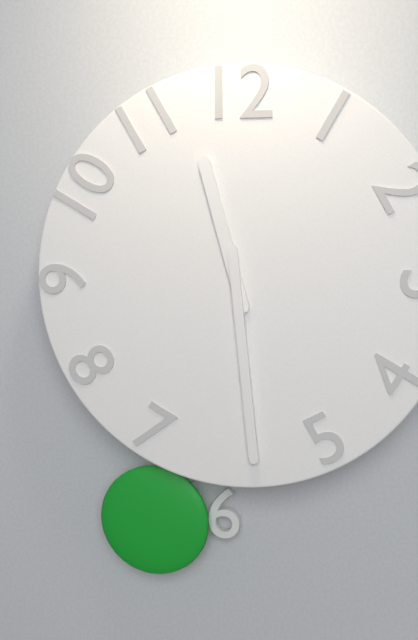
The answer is 11,29
